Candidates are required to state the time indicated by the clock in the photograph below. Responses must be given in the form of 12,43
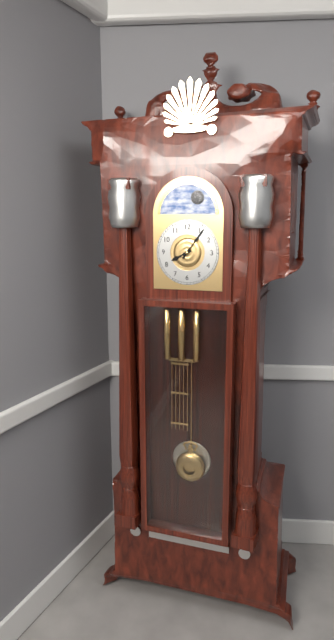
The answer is 8,06
